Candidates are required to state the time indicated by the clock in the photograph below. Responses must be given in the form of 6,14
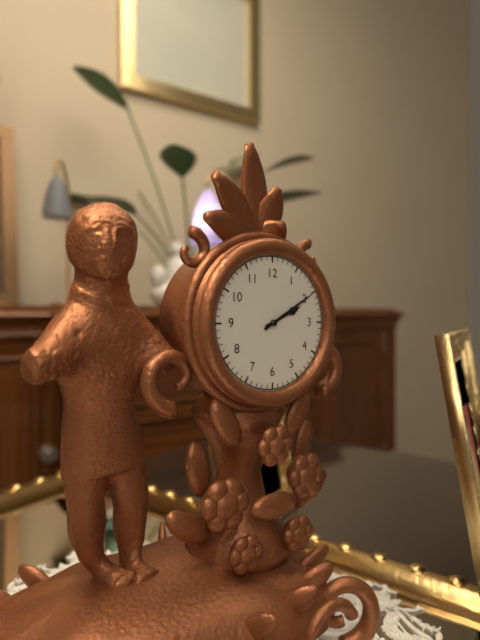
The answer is 2,10
